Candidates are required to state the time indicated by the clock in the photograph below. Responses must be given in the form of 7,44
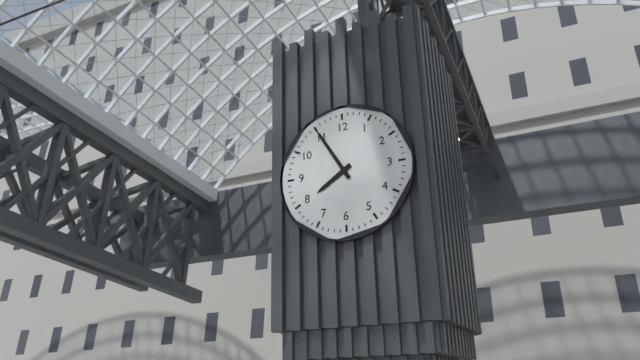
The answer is 7,55
